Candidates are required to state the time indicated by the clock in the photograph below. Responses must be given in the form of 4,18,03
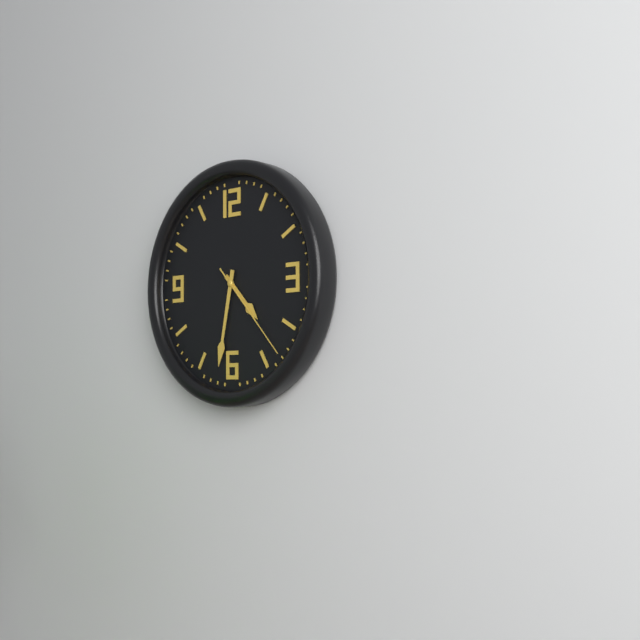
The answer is 4,32,23
